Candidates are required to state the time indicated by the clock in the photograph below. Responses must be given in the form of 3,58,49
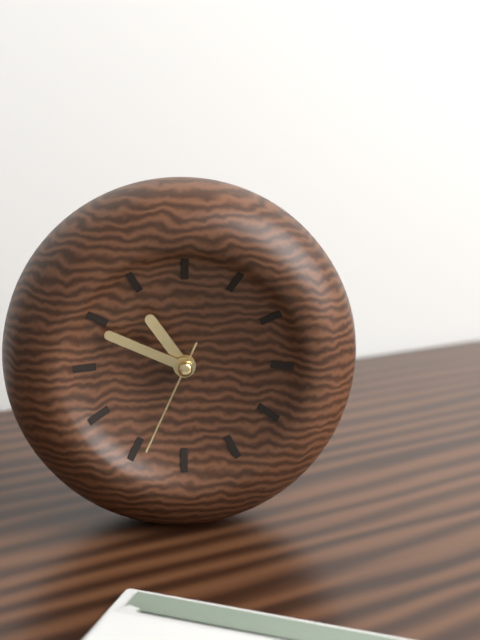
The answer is 10,49,34
